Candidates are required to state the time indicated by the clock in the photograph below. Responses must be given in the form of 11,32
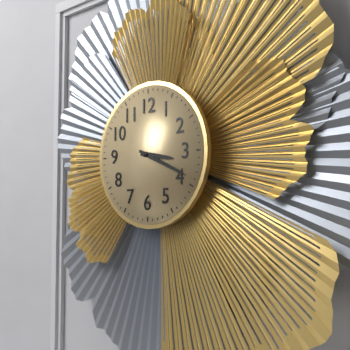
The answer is 3,19
